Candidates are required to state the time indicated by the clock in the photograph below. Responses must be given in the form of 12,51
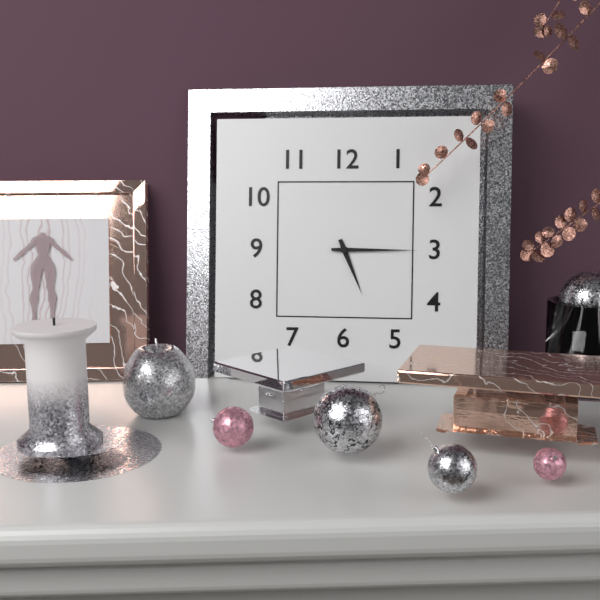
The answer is 5,15
